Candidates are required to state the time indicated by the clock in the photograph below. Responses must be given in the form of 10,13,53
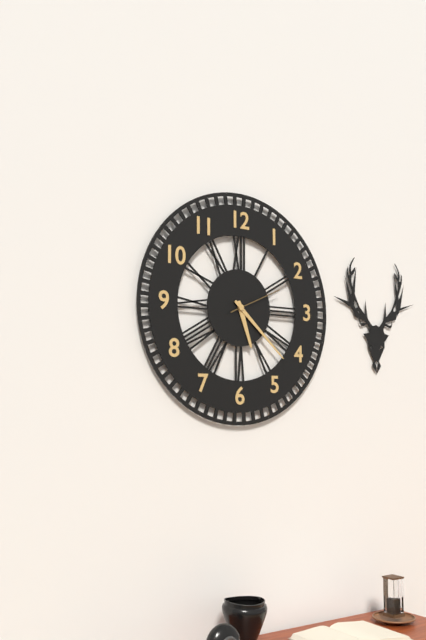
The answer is 5,22,11
